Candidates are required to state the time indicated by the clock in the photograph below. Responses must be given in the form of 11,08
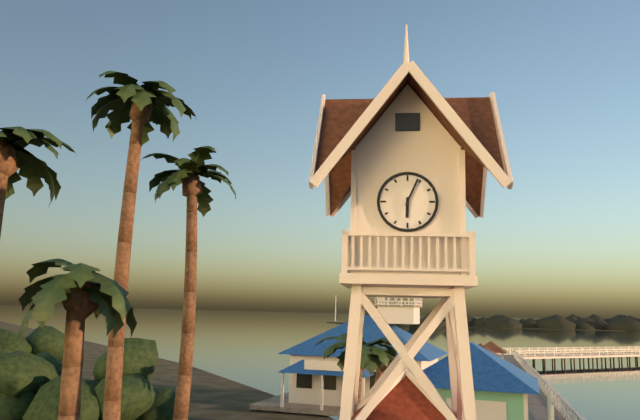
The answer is 6,04
